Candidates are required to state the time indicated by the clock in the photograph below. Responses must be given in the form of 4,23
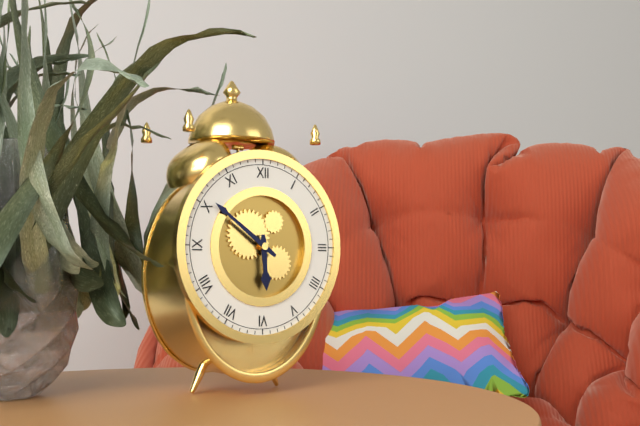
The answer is 5,51
